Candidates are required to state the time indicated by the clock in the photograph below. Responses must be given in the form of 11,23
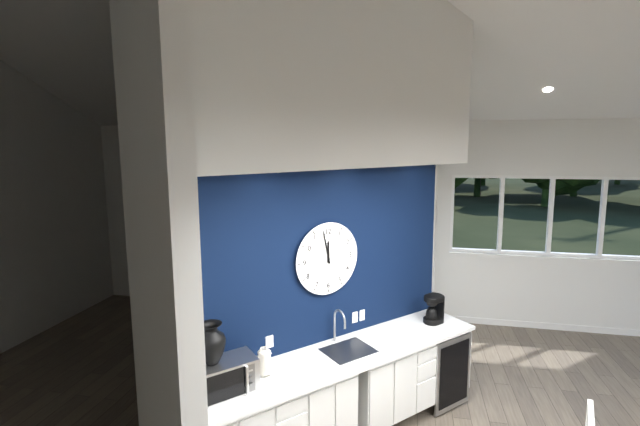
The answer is 11,58
